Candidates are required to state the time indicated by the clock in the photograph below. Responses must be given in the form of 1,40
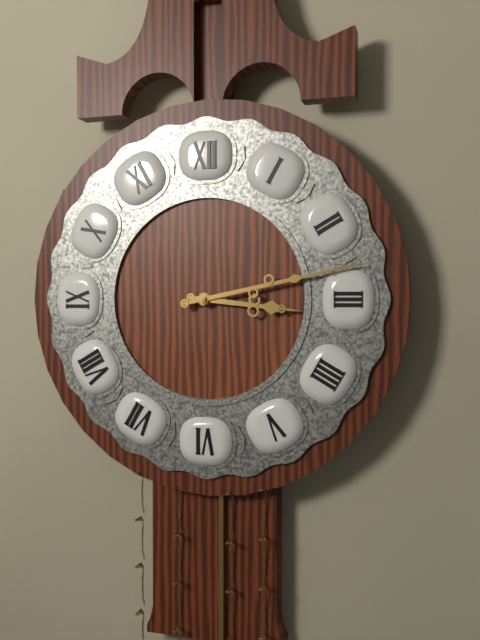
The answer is 3,13
